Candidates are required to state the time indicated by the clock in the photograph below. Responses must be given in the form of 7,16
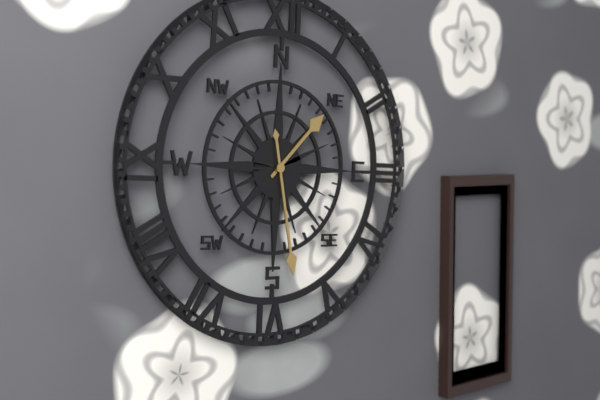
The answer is 1,28
